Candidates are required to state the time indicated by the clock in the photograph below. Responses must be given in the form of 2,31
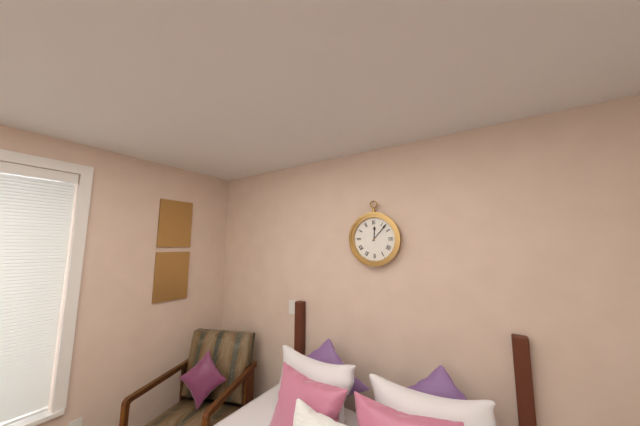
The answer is 12,07
